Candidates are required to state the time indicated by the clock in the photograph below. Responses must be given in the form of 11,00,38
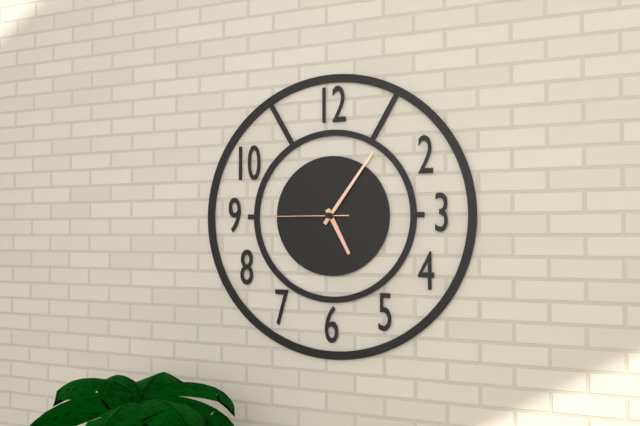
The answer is 5,06,45
